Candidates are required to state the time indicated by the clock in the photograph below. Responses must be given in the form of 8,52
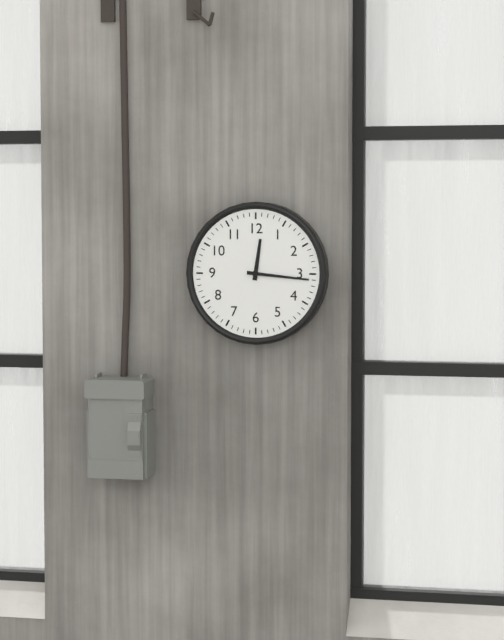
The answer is 12,16
